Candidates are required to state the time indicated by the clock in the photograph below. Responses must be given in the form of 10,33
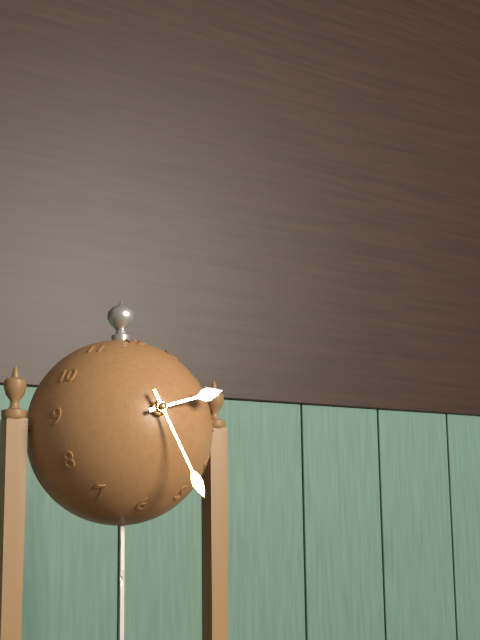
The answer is 2,26
